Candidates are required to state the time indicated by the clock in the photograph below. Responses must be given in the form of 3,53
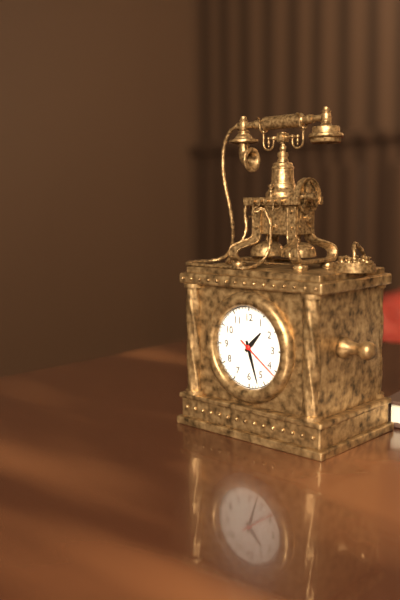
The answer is 1,27
